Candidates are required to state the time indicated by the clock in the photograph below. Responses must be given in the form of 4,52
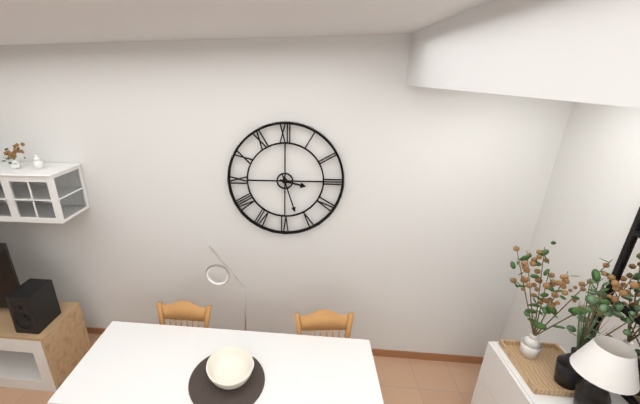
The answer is 3,27
